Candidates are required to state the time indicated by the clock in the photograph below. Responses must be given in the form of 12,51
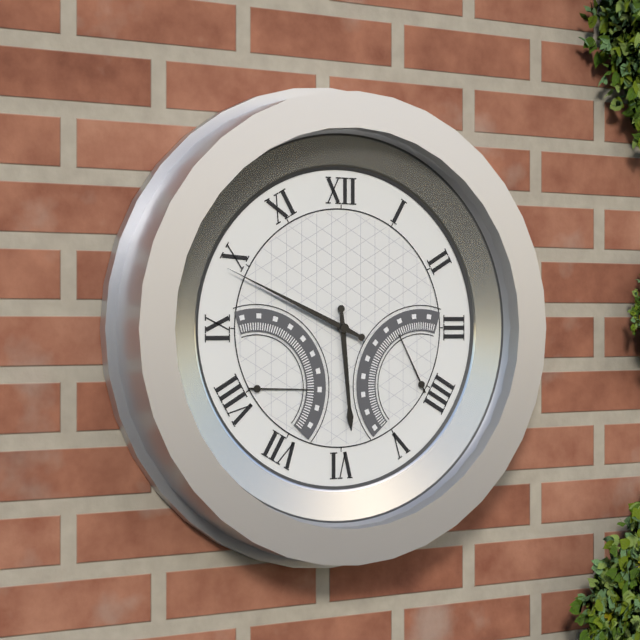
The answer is 5,49
